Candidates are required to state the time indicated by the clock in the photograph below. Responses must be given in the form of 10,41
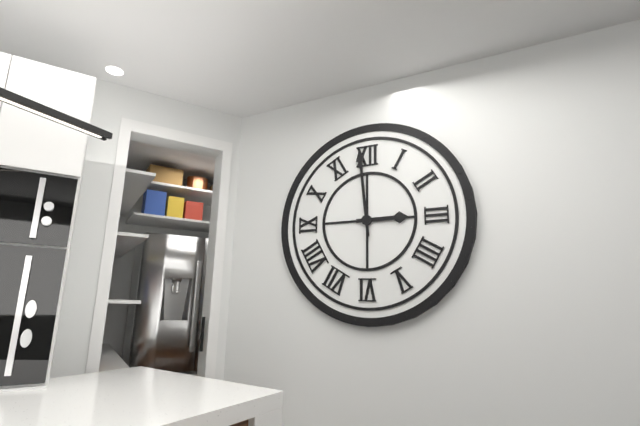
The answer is 2,59
